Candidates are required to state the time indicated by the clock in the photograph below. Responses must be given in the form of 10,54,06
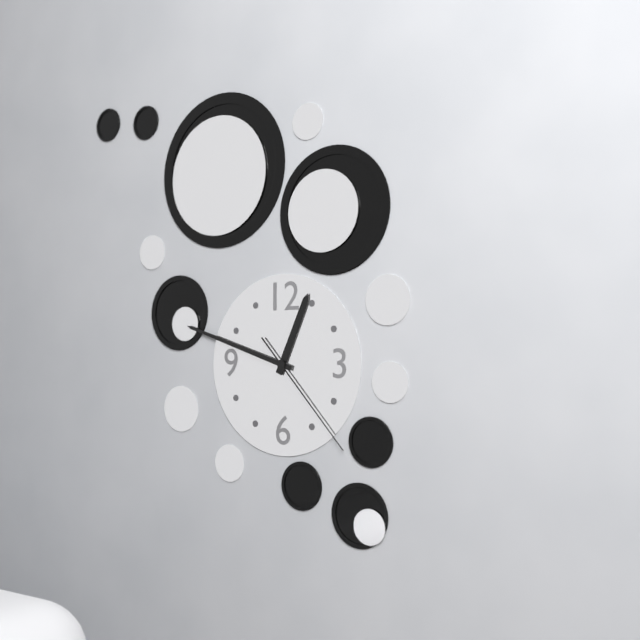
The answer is 12,48,23
